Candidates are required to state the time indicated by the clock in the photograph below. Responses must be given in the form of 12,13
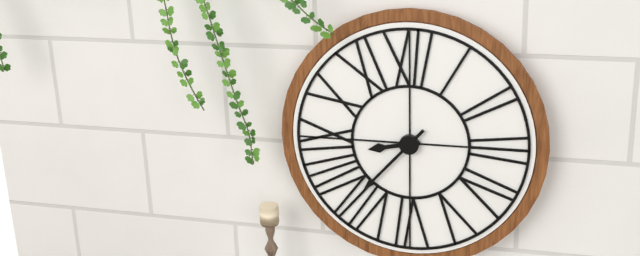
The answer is 8,37
